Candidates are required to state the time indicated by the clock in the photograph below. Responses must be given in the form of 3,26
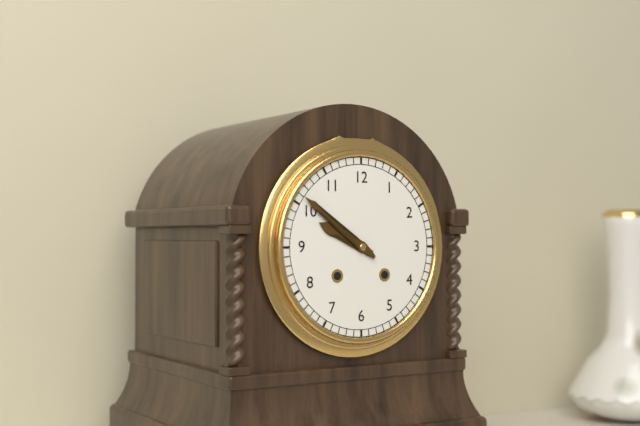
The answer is 9,51
